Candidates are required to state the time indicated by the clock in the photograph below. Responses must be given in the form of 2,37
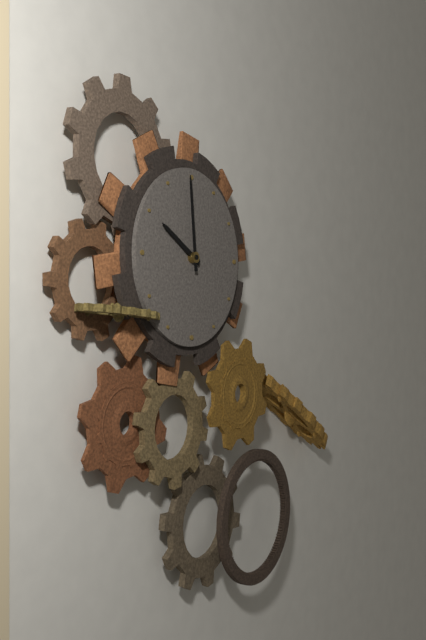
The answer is 9,59
